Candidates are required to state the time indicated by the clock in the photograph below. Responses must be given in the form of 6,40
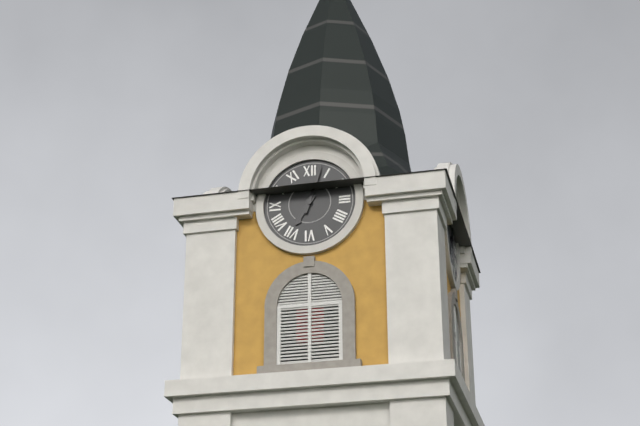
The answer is 7,03
